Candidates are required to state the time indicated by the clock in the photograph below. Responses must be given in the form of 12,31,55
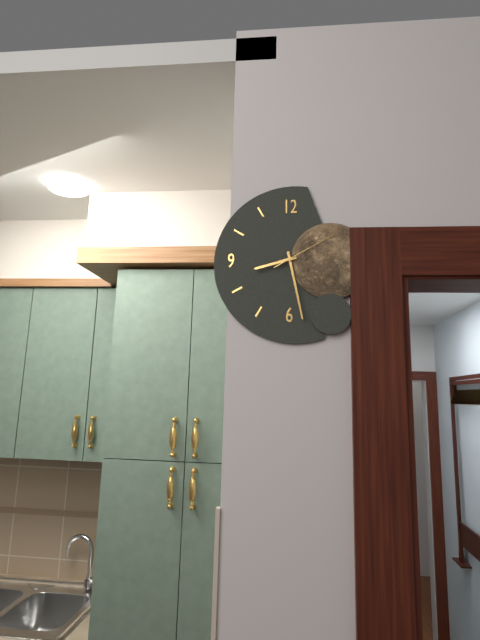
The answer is 8,28,10
